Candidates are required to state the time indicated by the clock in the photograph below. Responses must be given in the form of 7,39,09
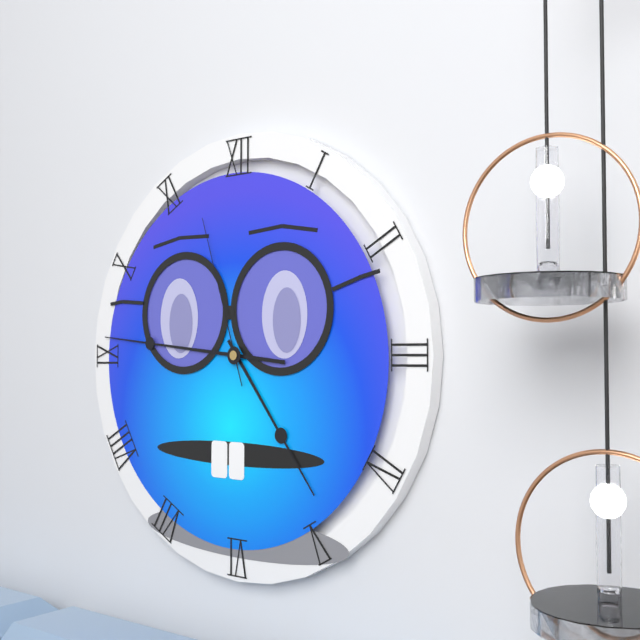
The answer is 4,46,57
